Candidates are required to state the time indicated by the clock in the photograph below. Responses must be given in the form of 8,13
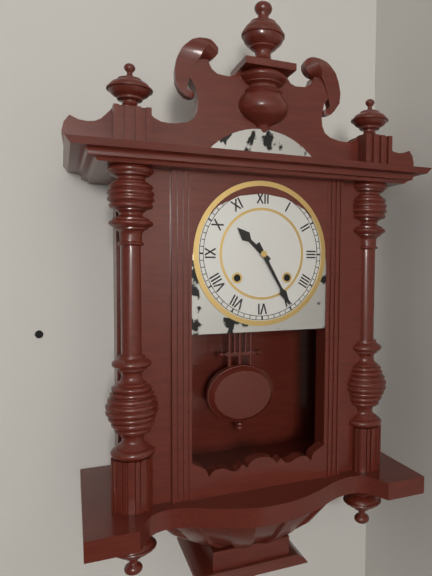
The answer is 10,25
